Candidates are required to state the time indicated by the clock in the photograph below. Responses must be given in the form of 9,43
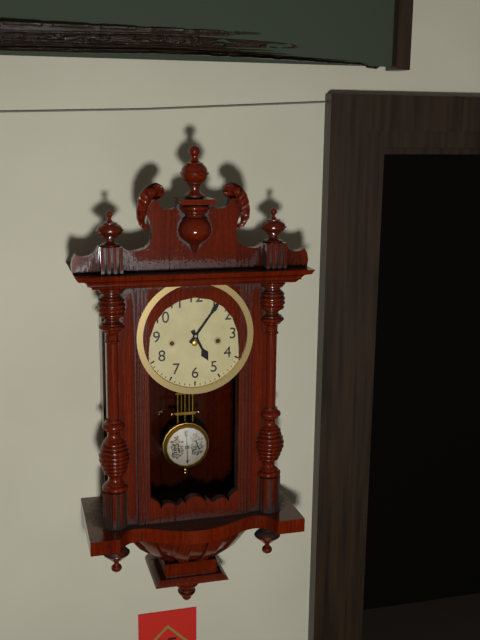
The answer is 5,06
